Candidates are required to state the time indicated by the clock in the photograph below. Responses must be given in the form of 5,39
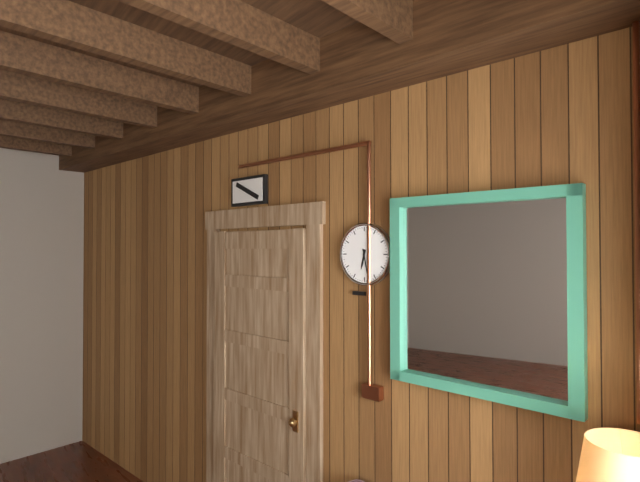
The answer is 6,28
